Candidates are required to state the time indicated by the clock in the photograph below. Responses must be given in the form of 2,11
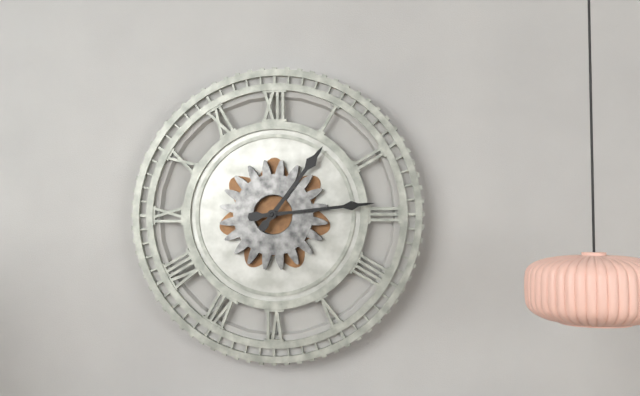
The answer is 1,14
